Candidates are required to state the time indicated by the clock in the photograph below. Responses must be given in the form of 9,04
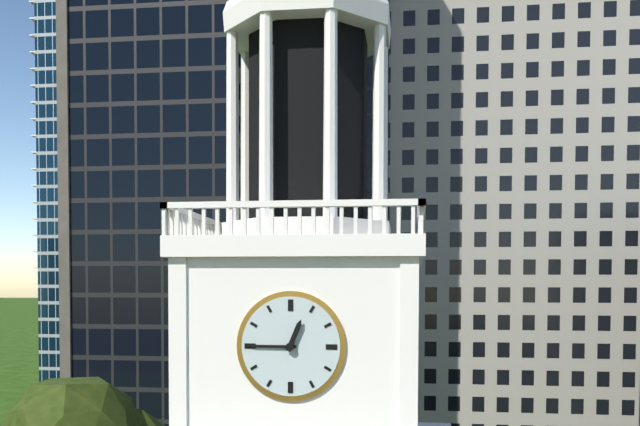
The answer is 12,45
